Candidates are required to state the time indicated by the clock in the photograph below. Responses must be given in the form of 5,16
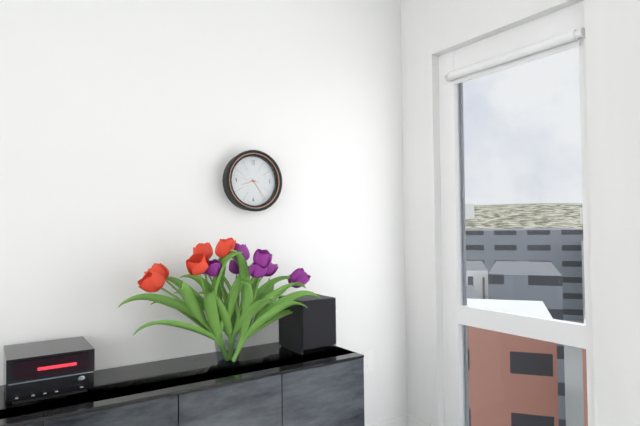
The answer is 8,24
